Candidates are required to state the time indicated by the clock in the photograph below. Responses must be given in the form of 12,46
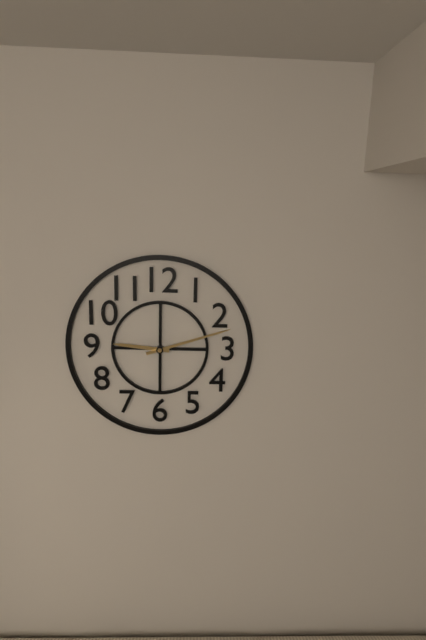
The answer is 9,12
